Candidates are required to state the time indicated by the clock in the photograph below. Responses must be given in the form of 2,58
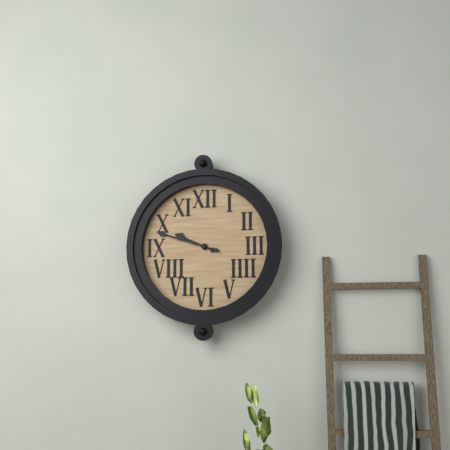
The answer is 9,48
